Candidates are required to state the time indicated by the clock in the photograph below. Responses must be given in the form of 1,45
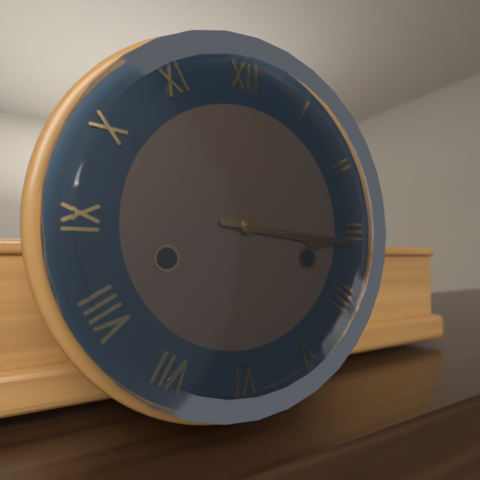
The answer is 3,16
